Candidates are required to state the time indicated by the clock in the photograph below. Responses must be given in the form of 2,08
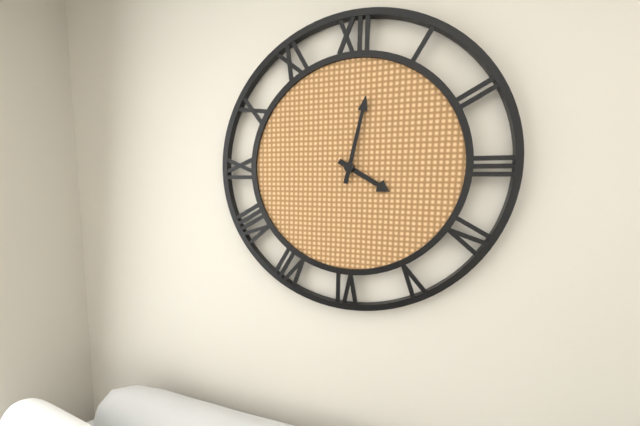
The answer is 4,02
